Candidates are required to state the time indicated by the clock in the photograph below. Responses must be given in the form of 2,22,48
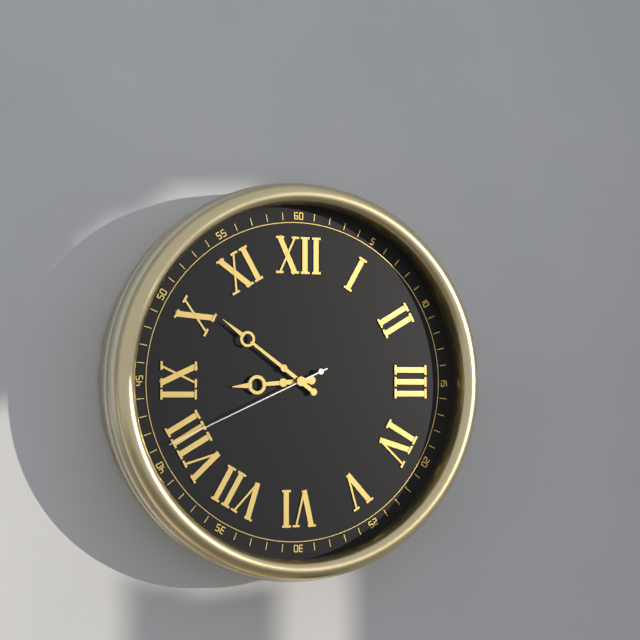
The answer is 8,51,41
